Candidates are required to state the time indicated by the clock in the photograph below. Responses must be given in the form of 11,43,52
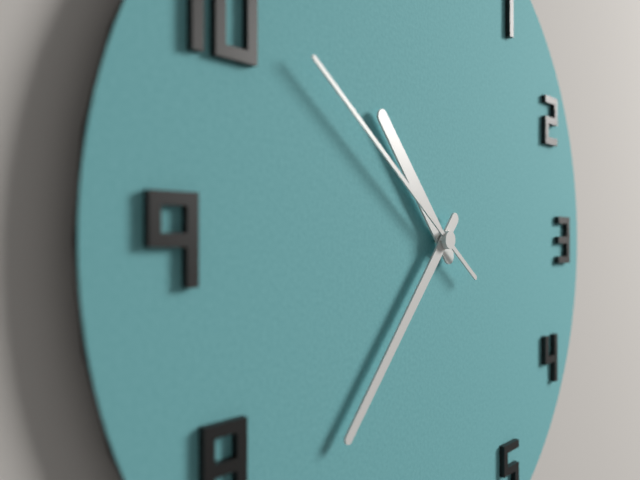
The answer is 10,37,51
